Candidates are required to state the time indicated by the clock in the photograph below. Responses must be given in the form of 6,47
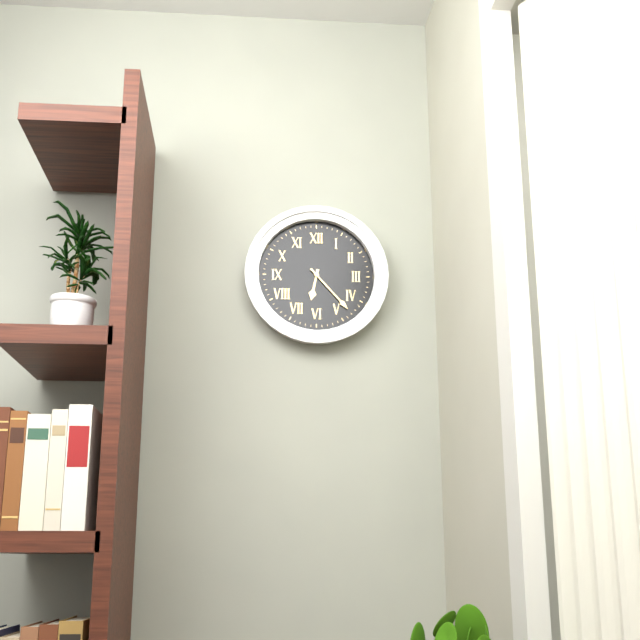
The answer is 6,23
